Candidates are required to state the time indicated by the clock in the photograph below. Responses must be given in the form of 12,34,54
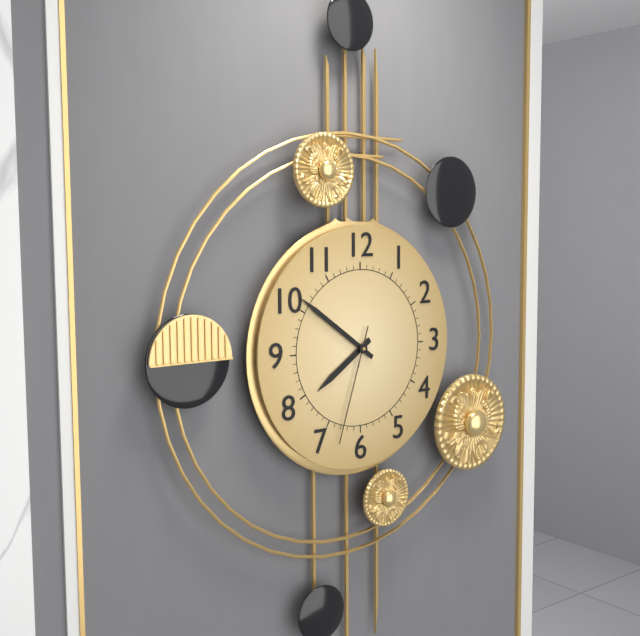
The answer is 7,51,33
